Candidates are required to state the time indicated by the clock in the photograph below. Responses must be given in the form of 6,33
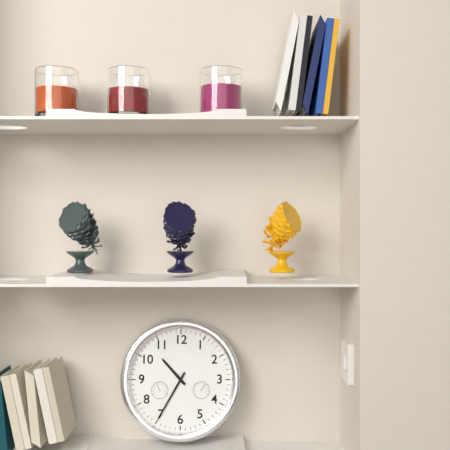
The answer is 10,35
